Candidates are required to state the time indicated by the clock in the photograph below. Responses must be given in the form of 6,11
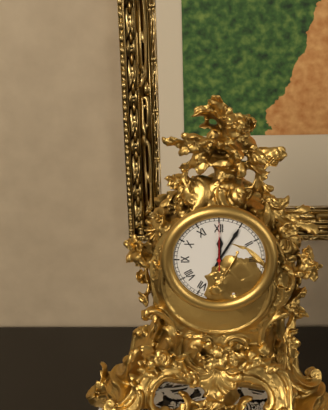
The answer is 12,05
